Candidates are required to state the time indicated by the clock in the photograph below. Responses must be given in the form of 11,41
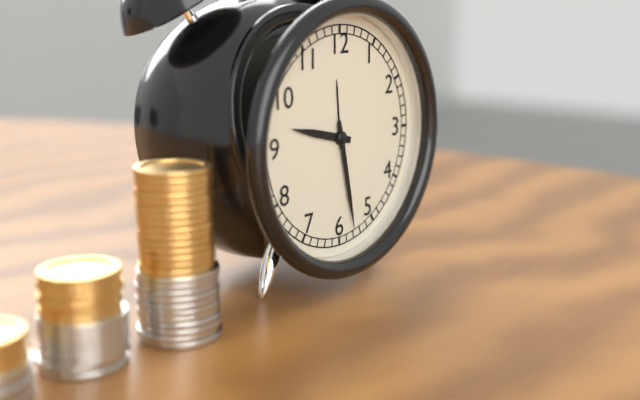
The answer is 9,28
